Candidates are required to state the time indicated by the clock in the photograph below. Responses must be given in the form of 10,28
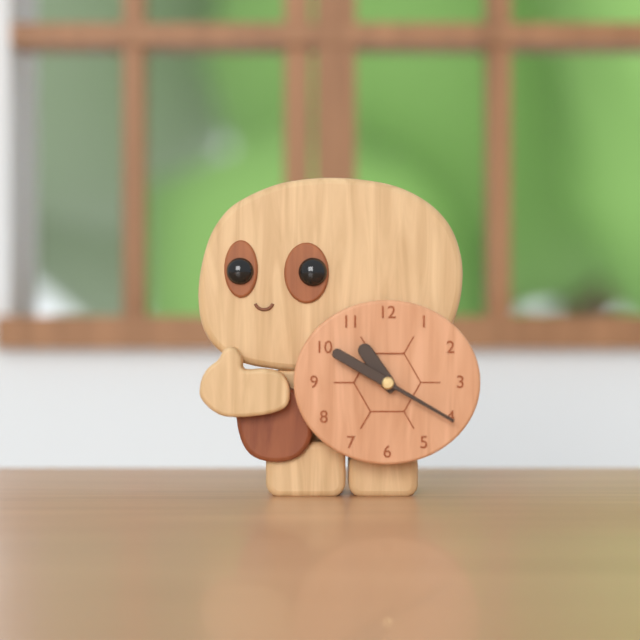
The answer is 10,50
